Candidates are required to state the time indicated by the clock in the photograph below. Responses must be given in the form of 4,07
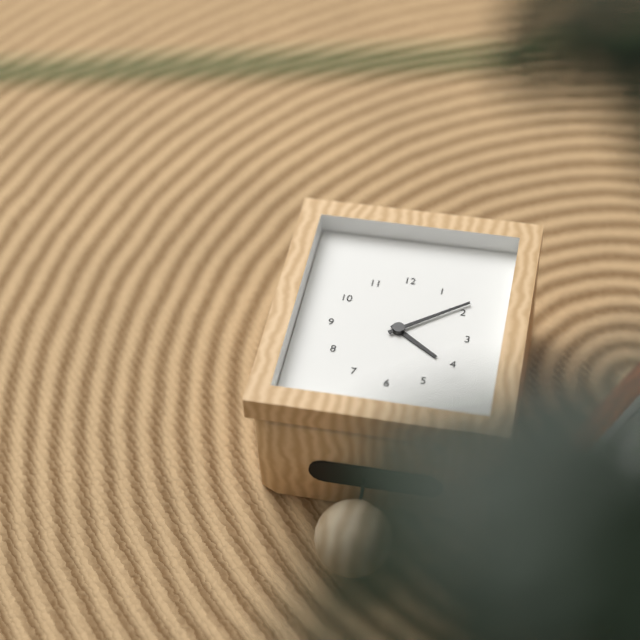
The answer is 4,09
